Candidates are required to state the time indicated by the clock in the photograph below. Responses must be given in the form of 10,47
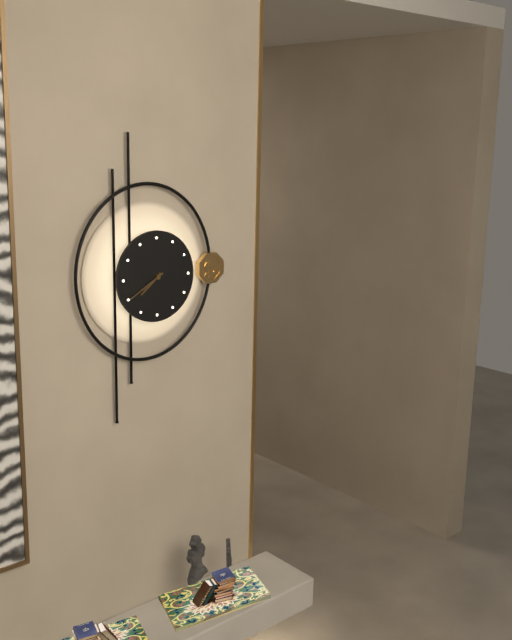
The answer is 7,40
